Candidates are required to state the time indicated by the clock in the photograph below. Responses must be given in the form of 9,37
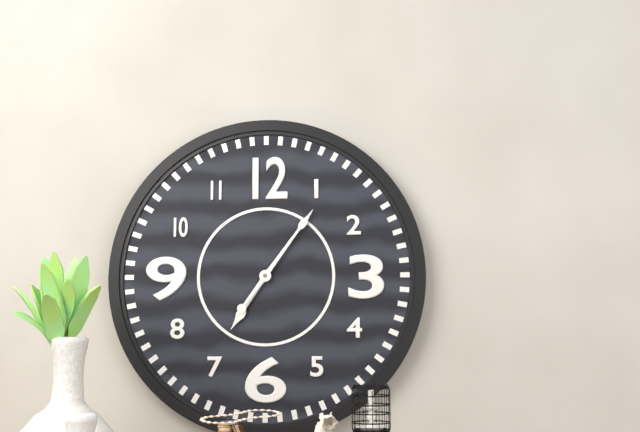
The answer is 7,06
